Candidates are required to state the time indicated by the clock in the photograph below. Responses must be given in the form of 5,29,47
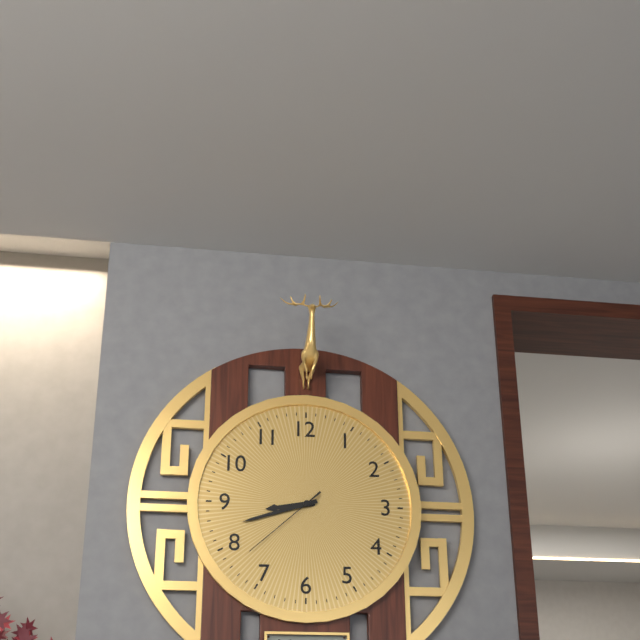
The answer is 8,42,38
